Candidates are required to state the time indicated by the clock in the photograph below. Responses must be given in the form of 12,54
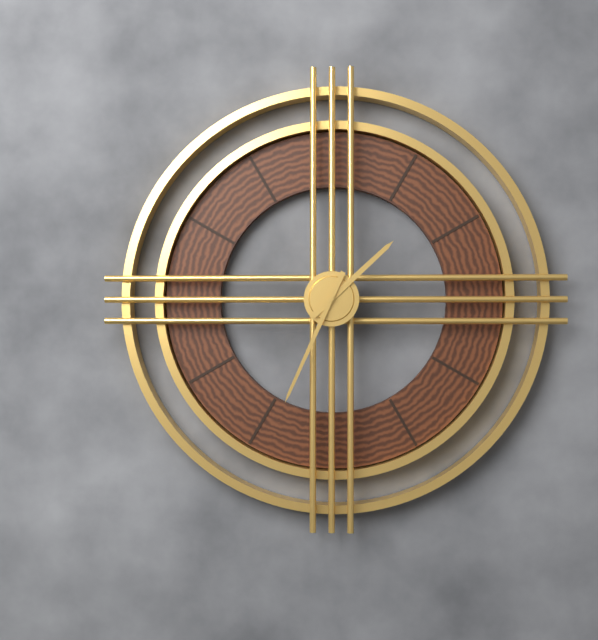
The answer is 1,34
